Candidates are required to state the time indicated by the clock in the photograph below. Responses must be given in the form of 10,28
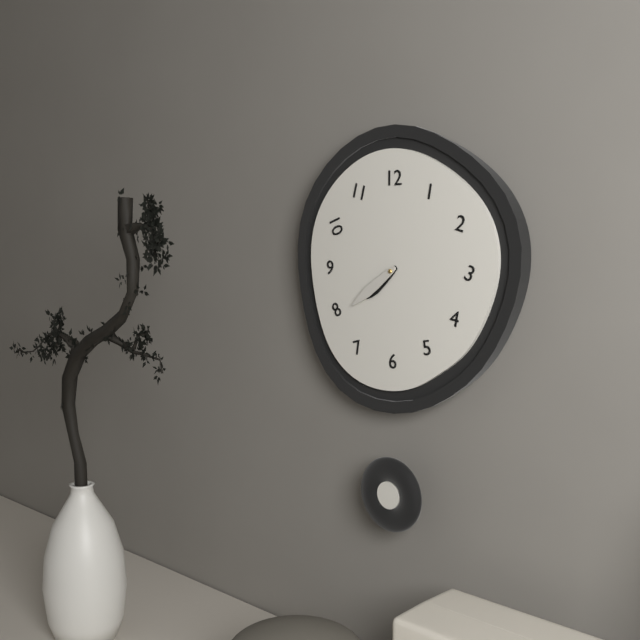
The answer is 7,39
